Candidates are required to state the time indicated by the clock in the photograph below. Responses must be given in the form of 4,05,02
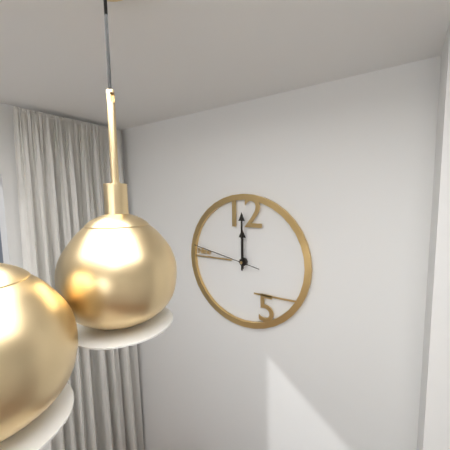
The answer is 12,00,47
